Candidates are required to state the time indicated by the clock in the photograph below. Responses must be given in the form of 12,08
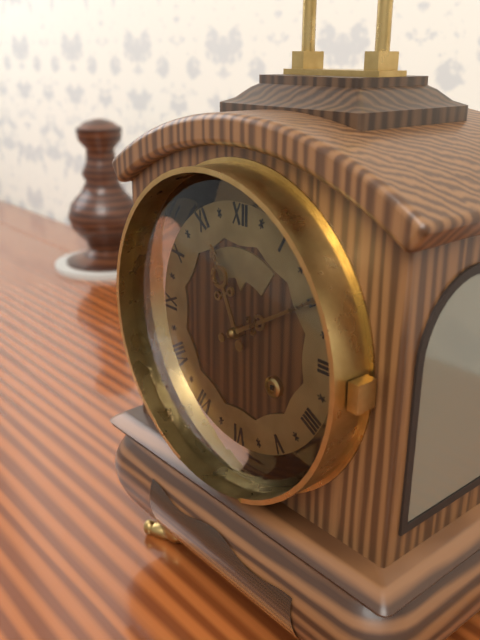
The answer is 11,10
